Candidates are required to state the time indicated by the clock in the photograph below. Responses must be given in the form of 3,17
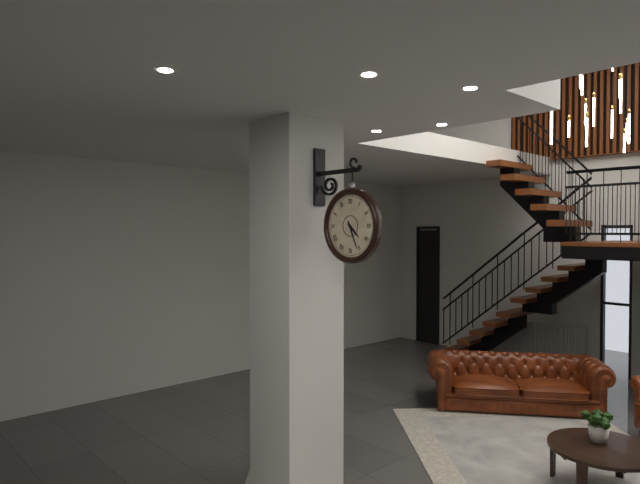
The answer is 4,26
